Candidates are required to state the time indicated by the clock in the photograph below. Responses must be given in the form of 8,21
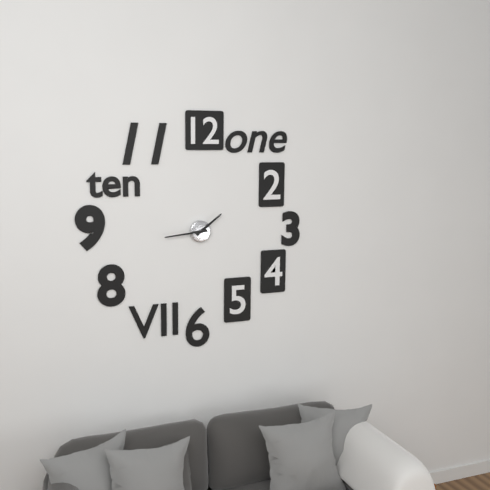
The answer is 1,44
